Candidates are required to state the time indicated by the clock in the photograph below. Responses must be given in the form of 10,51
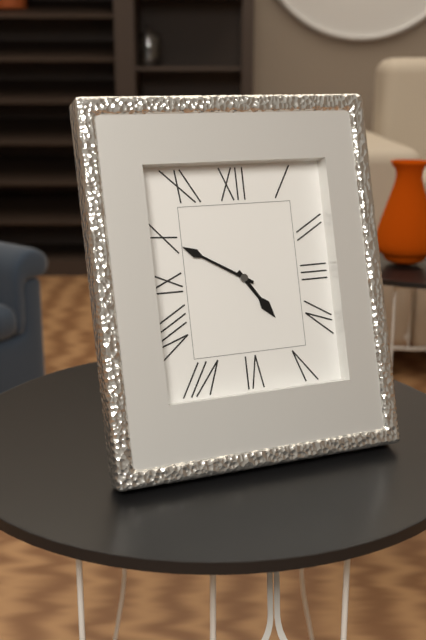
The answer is 4,50
